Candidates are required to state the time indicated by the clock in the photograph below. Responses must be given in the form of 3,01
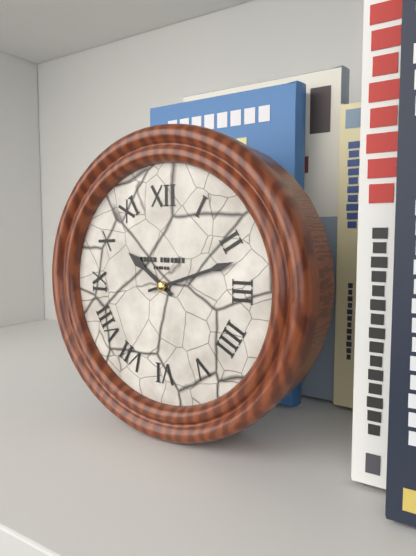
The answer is 10,12
